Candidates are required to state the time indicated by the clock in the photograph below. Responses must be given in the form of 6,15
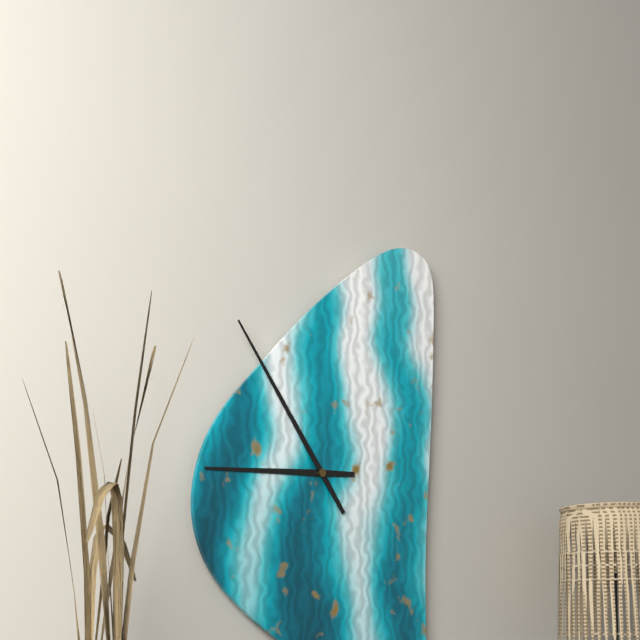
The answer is 8,54
